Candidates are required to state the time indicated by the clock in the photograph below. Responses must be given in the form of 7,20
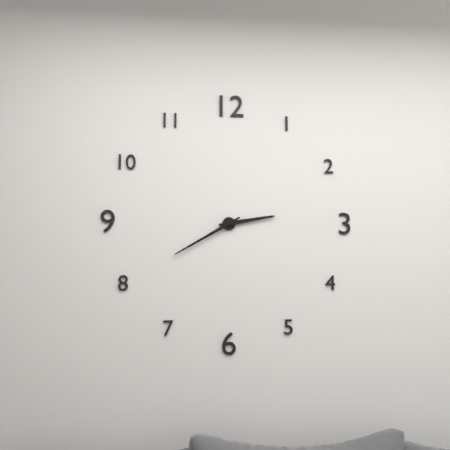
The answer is 2,40
